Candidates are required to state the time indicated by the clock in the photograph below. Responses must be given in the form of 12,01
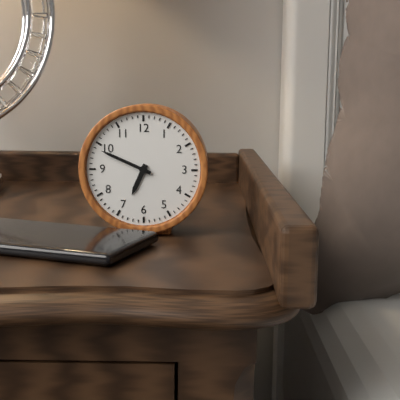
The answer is 6,49
